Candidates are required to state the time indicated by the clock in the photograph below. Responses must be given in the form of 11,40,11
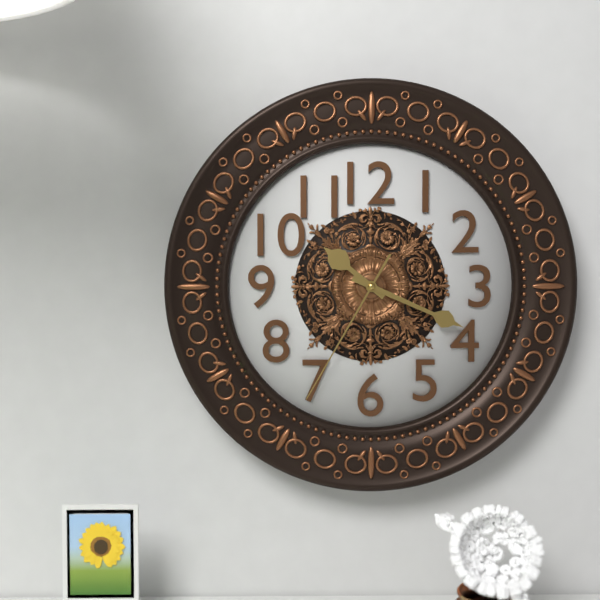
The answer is 10,19,35
